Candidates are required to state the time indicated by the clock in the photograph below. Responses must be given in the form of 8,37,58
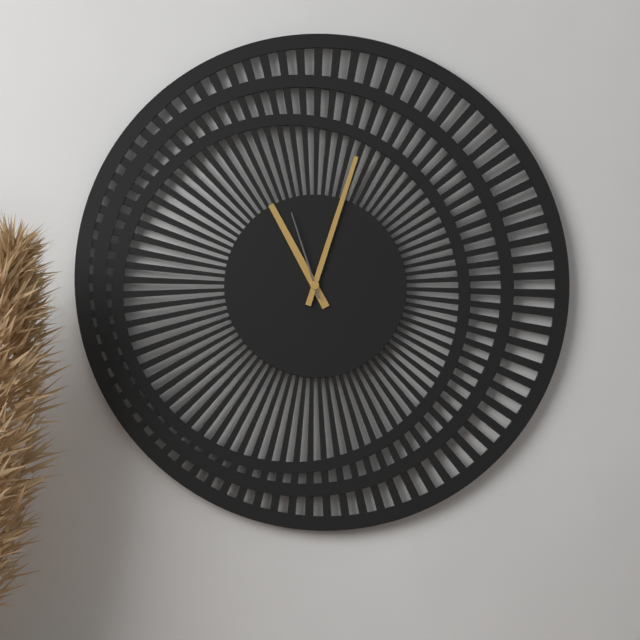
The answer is 11,03,57
